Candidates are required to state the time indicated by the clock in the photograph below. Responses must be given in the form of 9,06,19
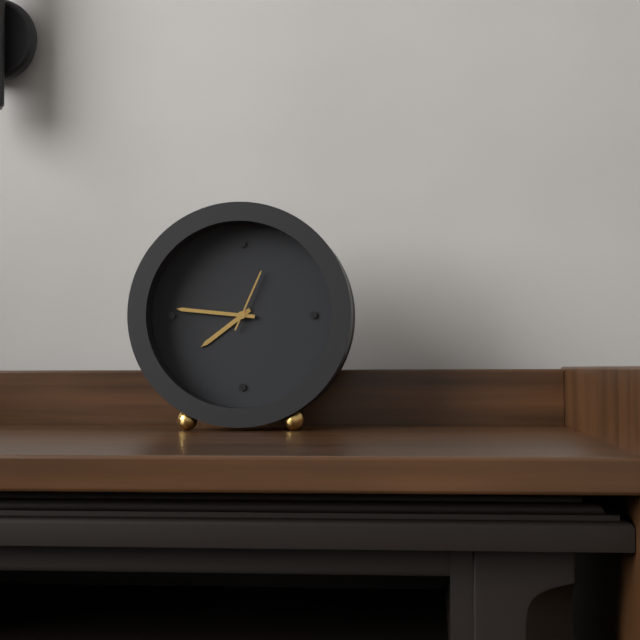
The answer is 7,46,04
